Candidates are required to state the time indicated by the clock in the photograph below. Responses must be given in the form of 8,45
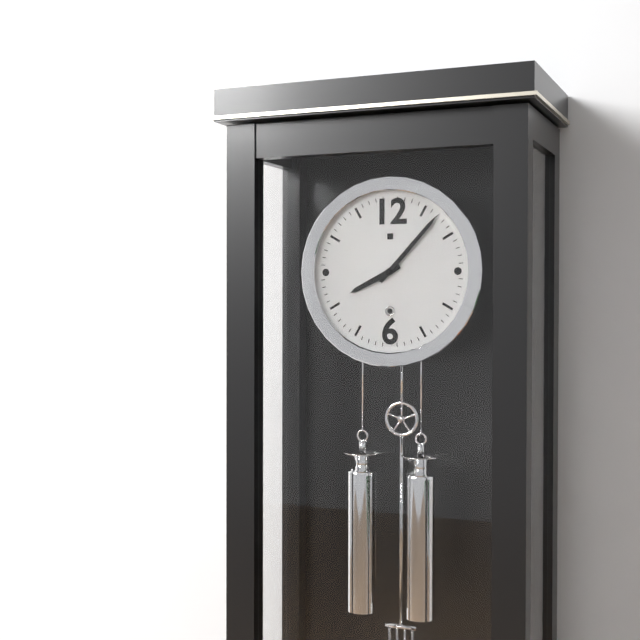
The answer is 8,07
